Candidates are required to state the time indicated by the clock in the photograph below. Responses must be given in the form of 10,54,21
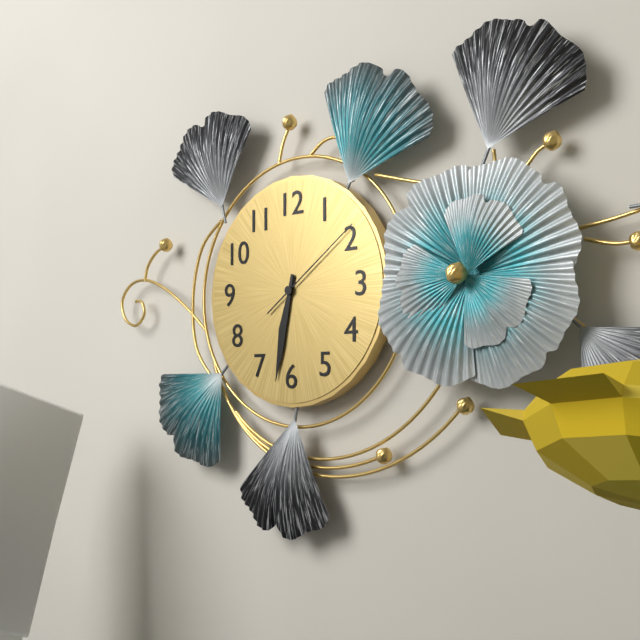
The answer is 6,32,09
